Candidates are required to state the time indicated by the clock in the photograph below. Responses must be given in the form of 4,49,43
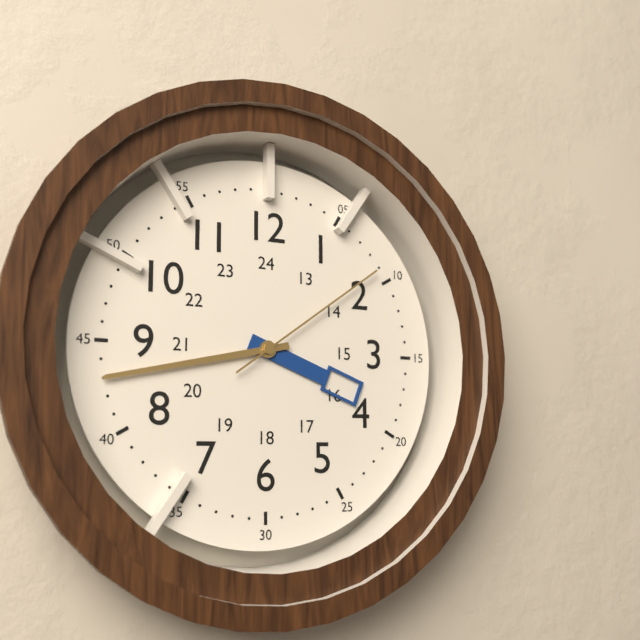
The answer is 3,43,09
